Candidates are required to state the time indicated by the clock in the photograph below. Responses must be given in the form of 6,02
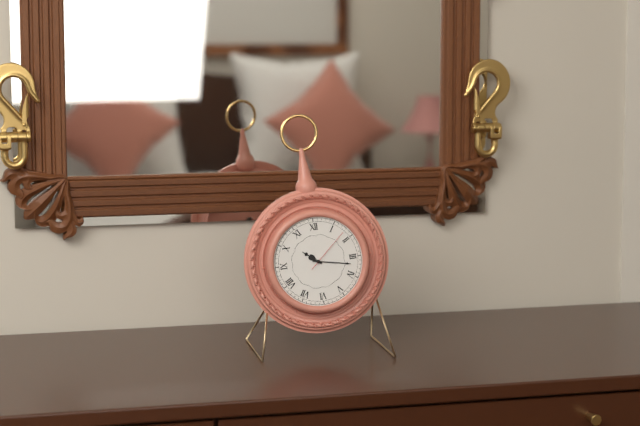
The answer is 10,17
